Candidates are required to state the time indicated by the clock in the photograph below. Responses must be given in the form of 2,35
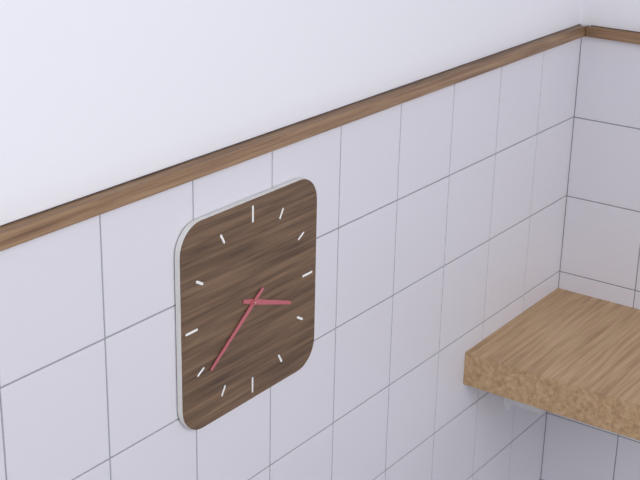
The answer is 3,39
